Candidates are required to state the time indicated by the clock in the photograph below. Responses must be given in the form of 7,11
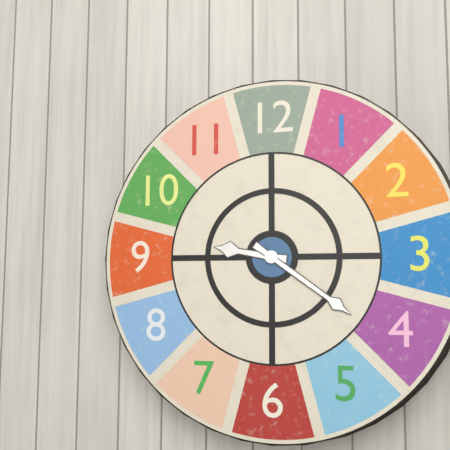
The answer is 9,21
